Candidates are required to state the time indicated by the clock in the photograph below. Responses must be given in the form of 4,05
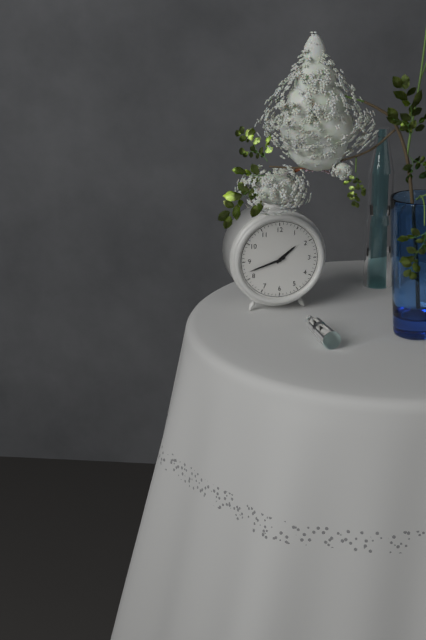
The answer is 1,42
